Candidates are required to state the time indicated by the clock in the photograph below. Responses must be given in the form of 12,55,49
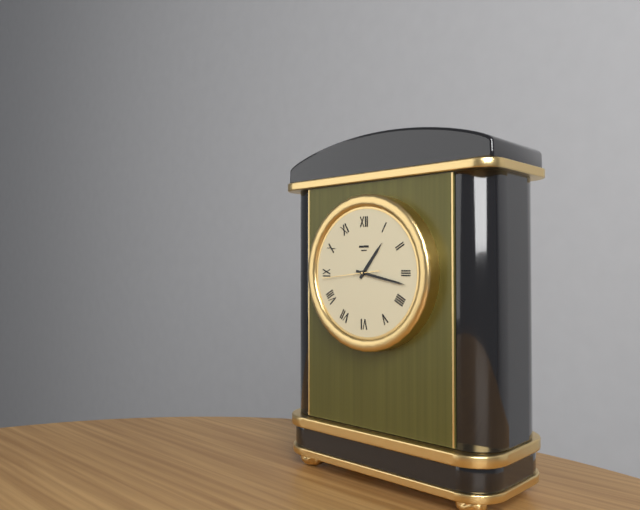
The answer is 1,17,44
